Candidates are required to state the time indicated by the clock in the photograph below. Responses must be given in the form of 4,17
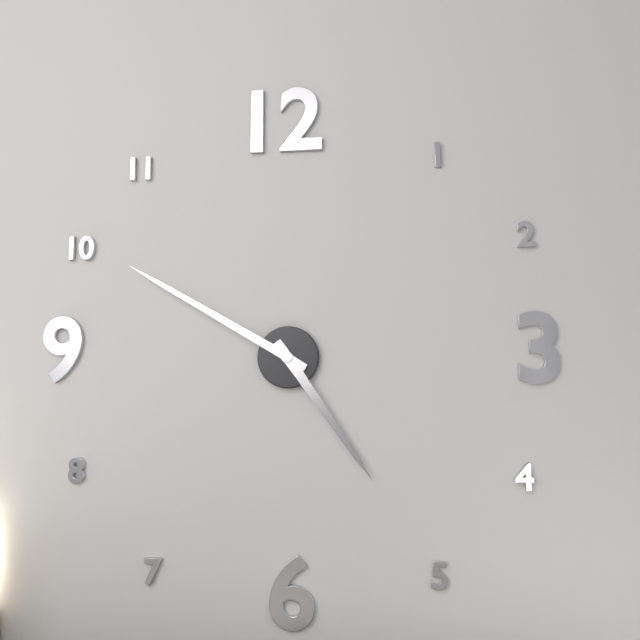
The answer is 4,50
